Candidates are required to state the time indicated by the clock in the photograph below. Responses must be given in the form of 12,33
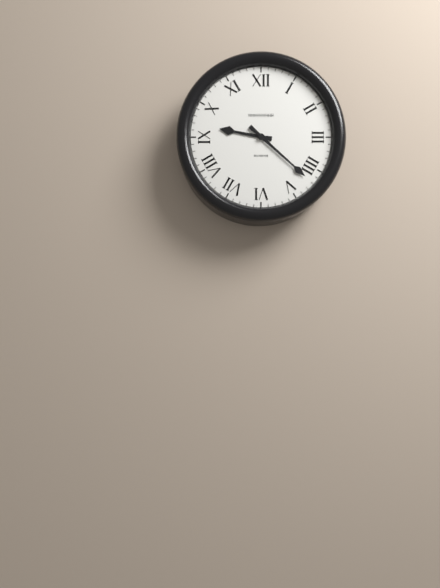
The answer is 9,22
